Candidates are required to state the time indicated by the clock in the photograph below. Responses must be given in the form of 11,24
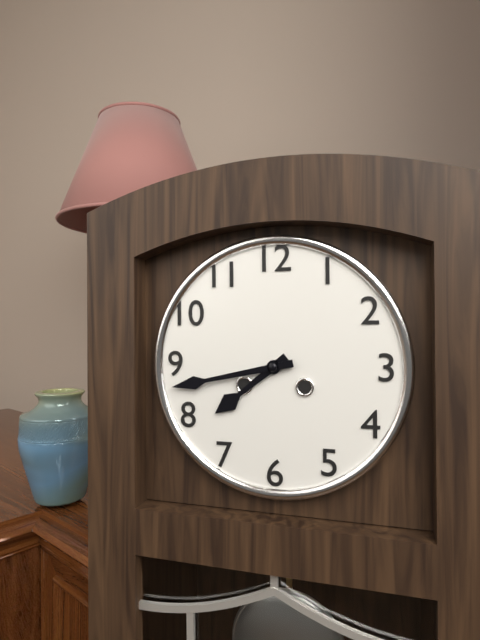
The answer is 7,43
